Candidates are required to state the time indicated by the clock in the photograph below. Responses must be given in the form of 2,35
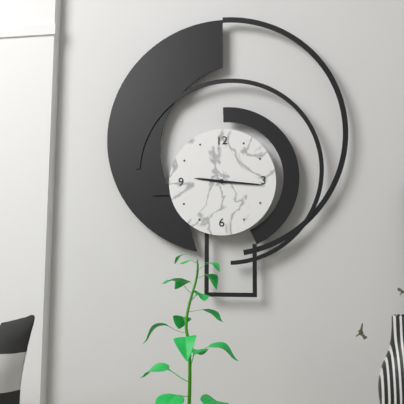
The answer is 9,16
